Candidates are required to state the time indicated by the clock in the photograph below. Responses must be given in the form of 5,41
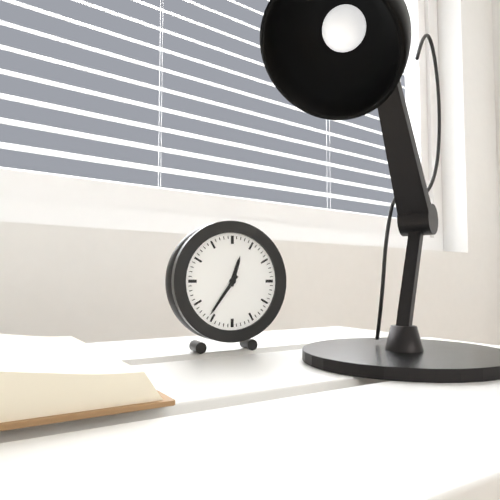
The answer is 12,36
